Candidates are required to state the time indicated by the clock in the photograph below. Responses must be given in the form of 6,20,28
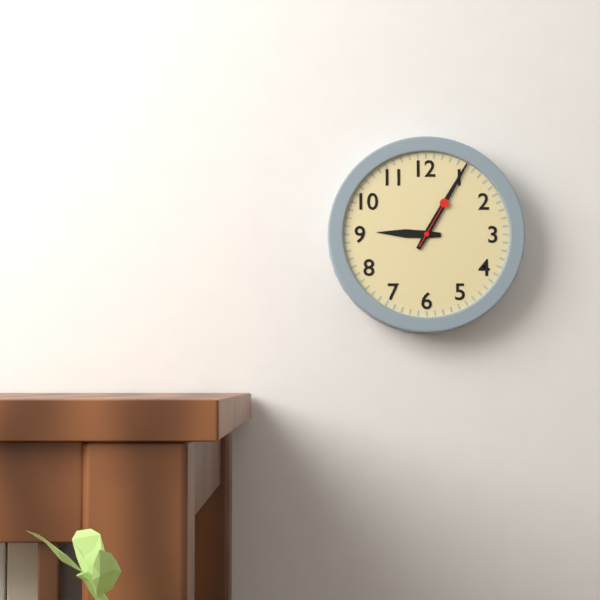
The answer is 9,05,05
